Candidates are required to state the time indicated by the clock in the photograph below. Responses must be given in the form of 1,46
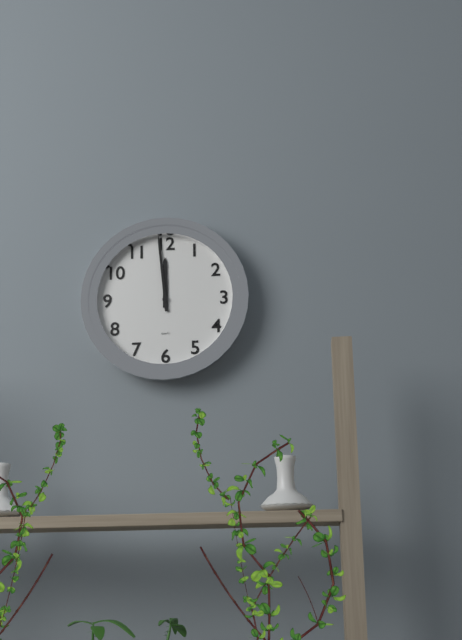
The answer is 11,59
